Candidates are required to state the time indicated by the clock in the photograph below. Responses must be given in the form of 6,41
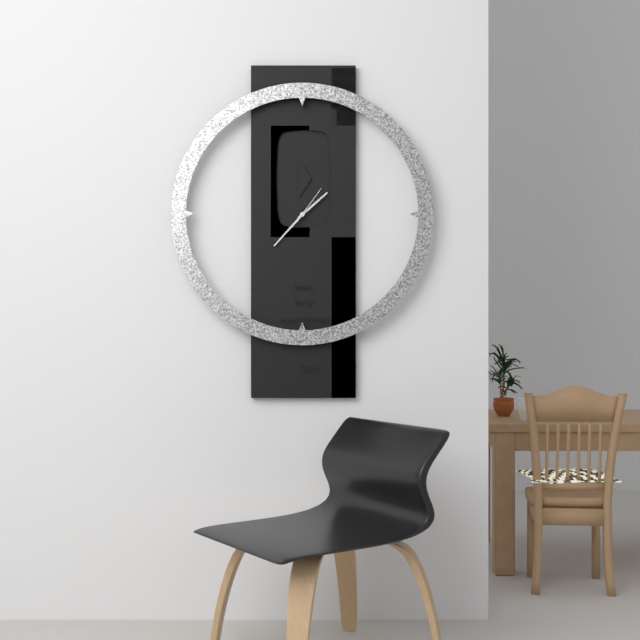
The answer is 1,37
